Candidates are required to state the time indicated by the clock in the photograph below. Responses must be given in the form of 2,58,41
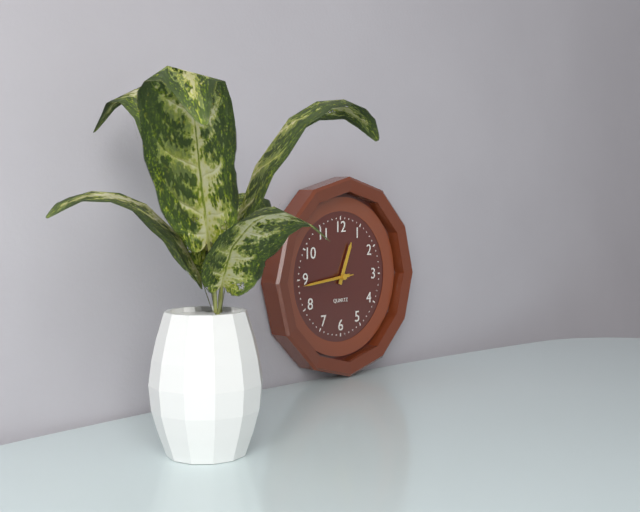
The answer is 12,44,44
